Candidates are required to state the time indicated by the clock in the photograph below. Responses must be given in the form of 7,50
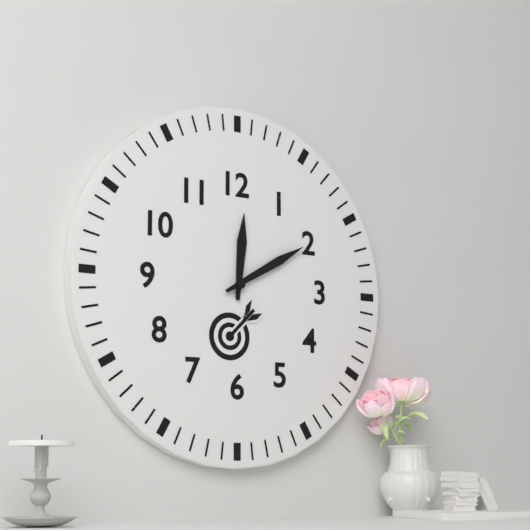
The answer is 12,10
